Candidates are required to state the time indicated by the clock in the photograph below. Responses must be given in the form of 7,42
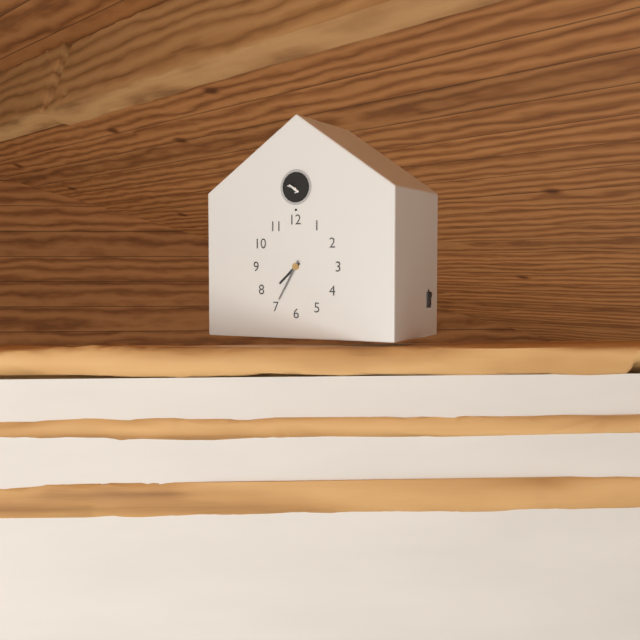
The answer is 7,35
